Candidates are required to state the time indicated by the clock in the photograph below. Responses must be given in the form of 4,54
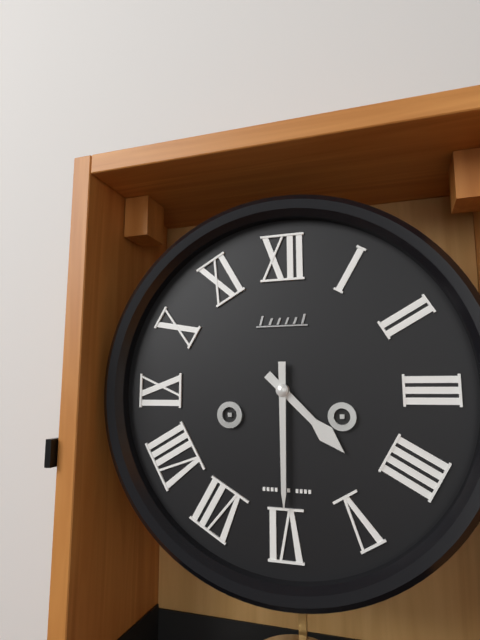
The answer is 4,30
